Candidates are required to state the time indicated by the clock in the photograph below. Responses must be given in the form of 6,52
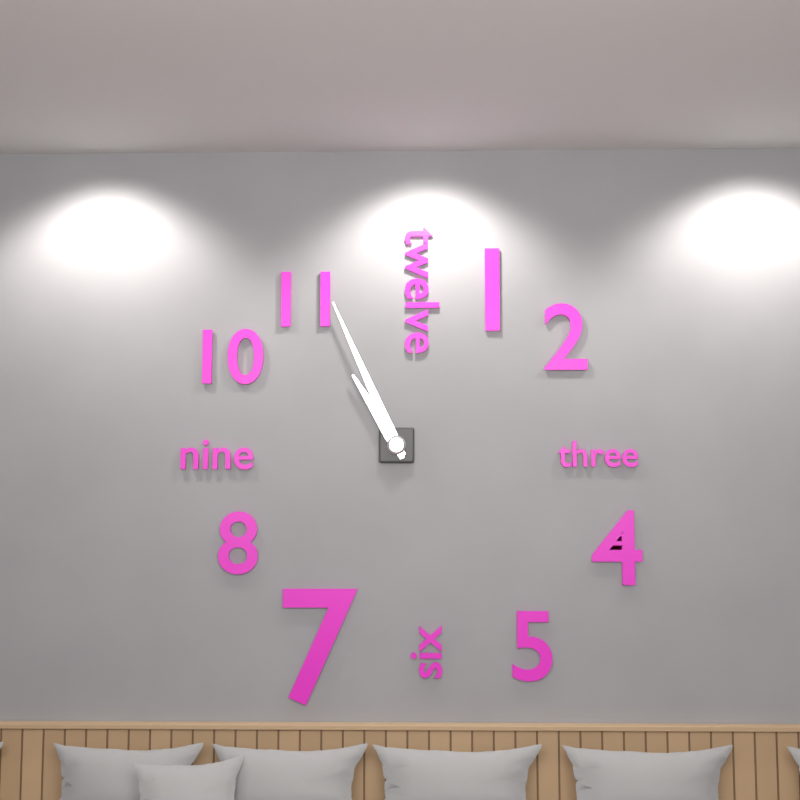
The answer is 10,56
